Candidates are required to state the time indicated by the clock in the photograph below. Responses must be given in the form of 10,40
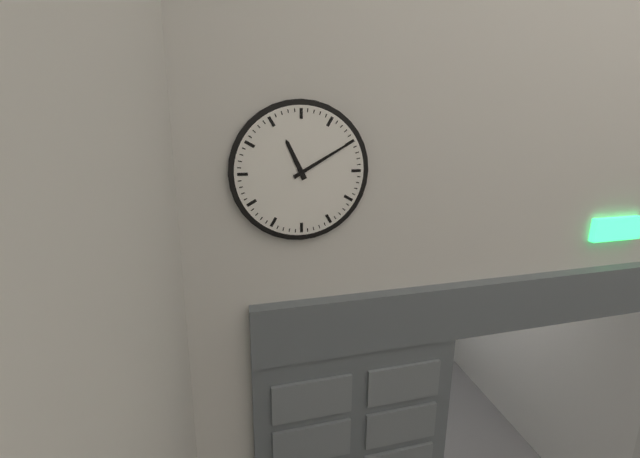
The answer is 11,10
